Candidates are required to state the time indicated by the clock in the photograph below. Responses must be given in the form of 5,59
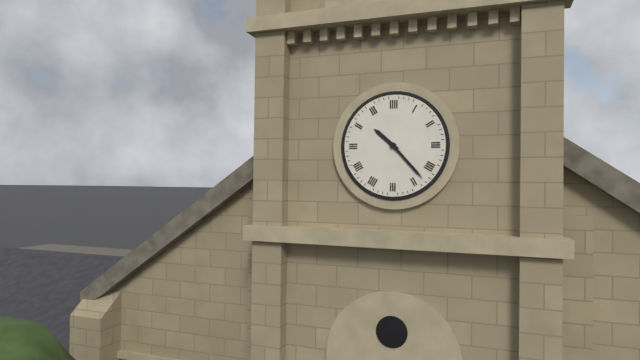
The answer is 10,23
